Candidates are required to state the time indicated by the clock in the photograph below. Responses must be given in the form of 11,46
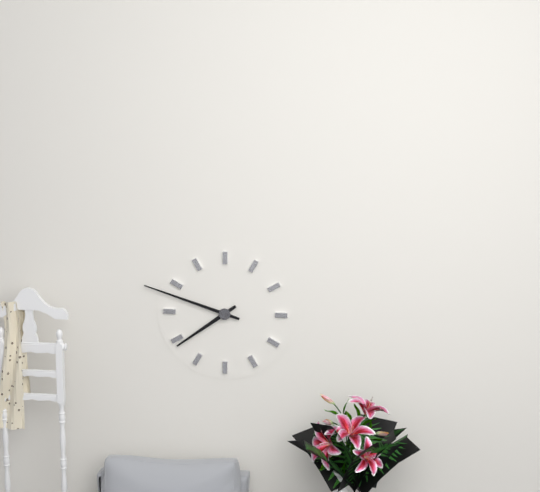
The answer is 7,48
